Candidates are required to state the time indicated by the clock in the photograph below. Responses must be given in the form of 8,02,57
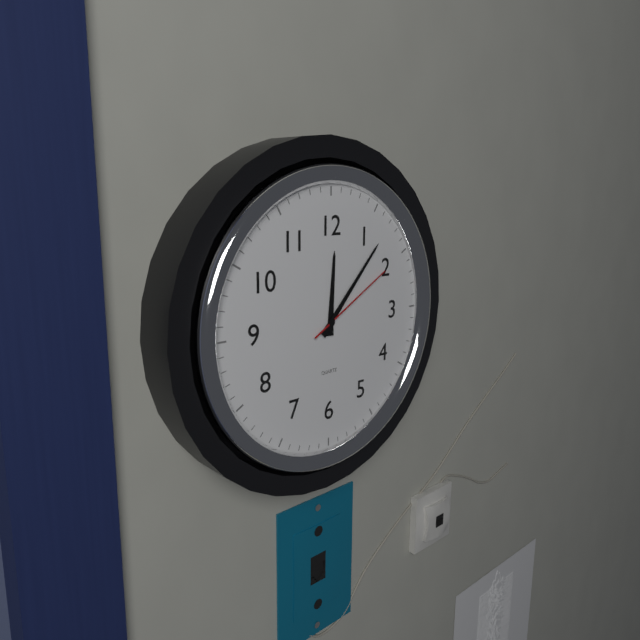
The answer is 12,07,10
